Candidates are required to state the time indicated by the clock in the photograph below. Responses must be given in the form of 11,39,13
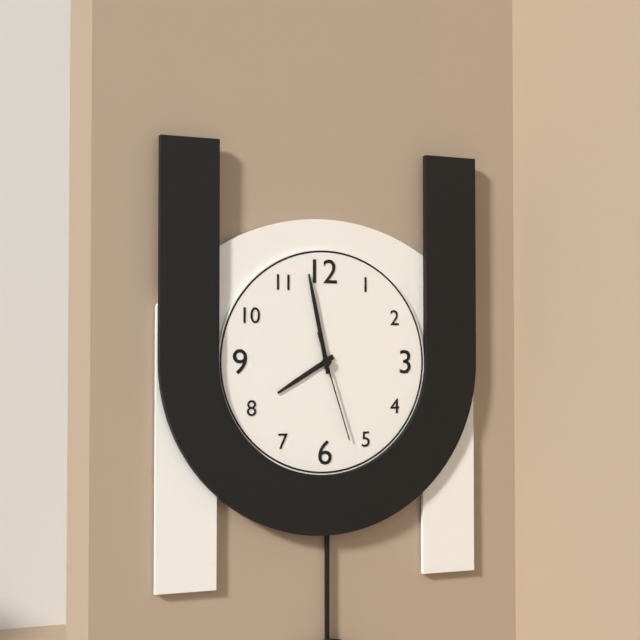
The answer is 7,58,27
